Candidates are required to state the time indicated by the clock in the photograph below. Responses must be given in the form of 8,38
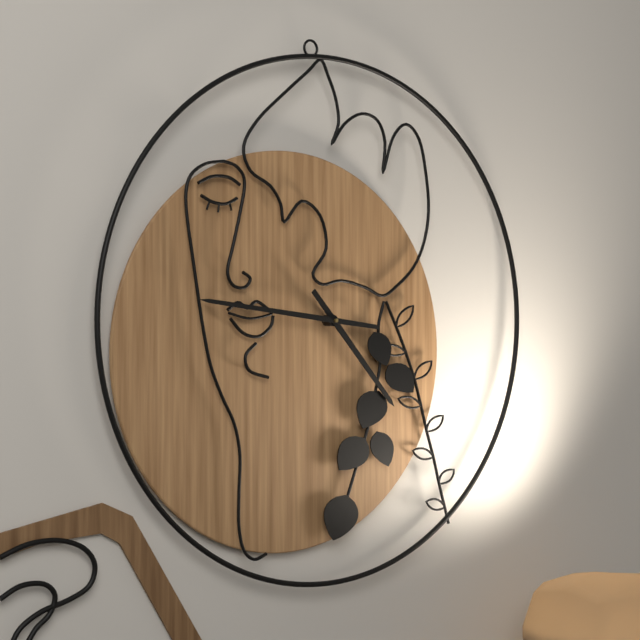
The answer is 4,47
